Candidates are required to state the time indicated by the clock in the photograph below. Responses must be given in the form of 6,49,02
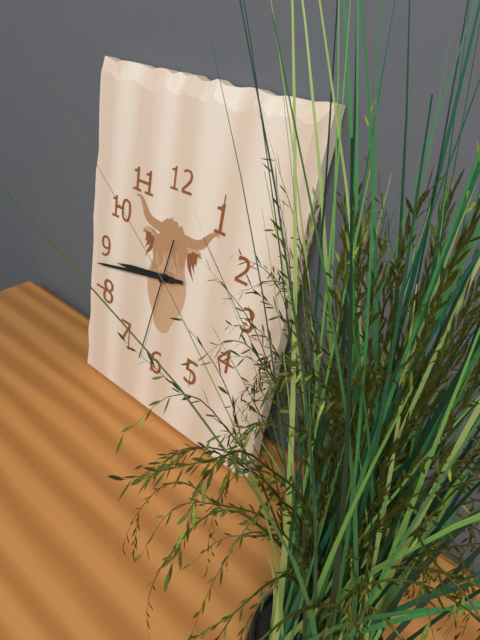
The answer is 8,43,32
